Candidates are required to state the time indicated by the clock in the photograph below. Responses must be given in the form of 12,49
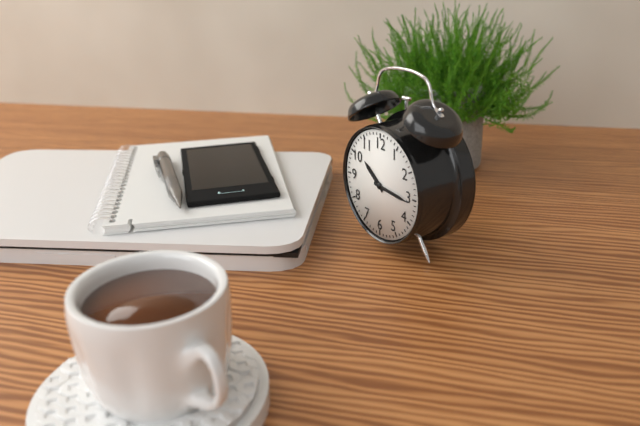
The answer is 10,16
